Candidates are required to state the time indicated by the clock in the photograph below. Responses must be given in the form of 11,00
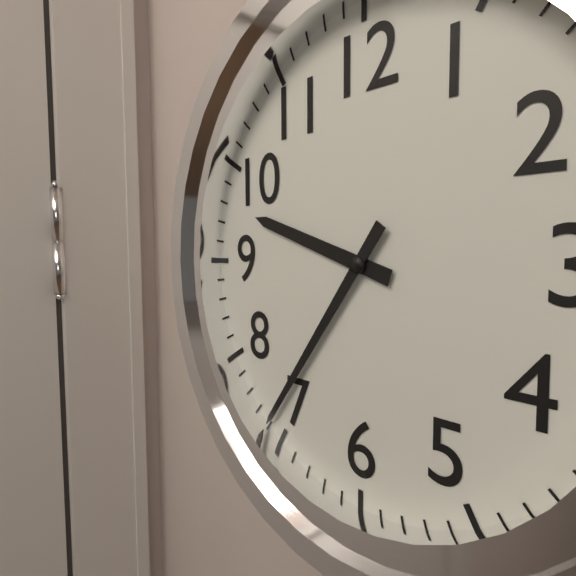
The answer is 9,36
